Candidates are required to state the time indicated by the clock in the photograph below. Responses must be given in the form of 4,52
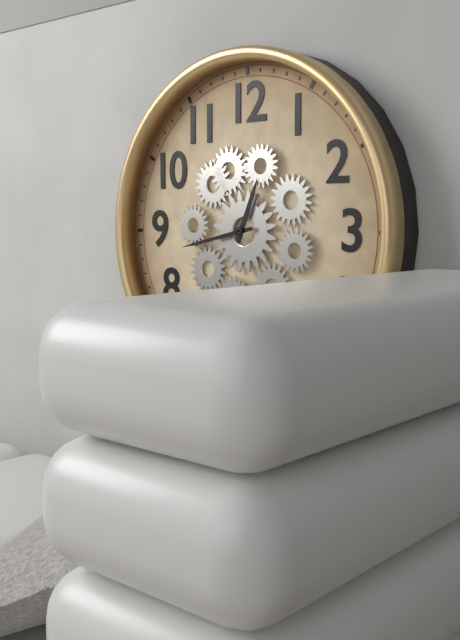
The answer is 12,43
